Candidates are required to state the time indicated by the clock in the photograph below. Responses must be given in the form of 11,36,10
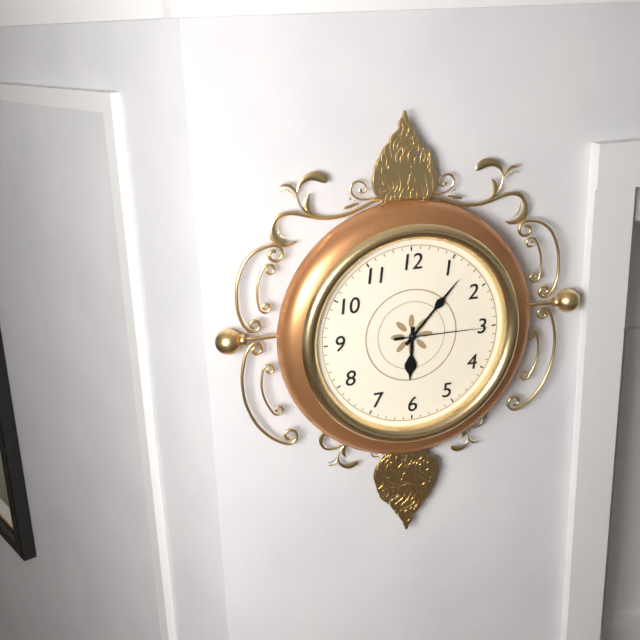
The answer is 6,07,15
